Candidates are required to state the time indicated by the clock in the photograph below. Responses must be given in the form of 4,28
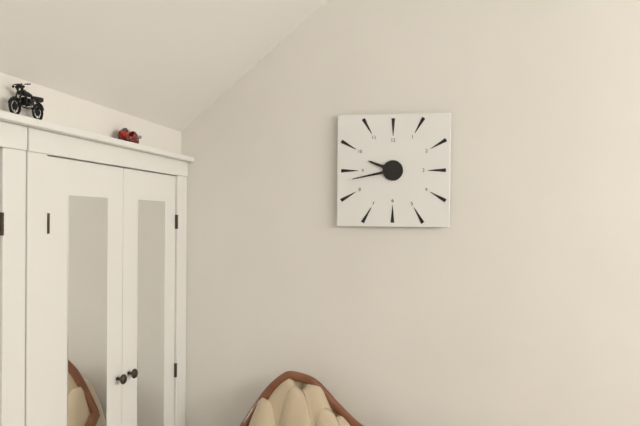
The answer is 9,43
